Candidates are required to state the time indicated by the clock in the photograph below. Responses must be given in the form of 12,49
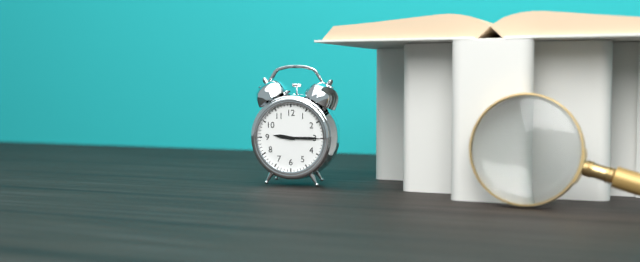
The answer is 9,15
